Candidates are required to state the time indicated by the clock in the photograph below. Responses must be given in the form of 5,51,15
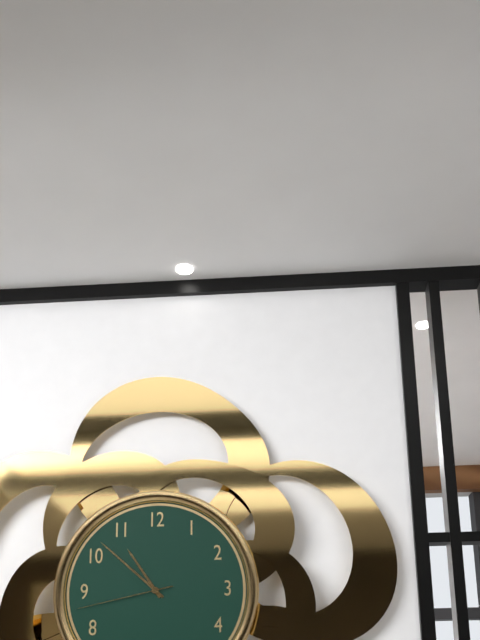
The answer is 10,52,43
